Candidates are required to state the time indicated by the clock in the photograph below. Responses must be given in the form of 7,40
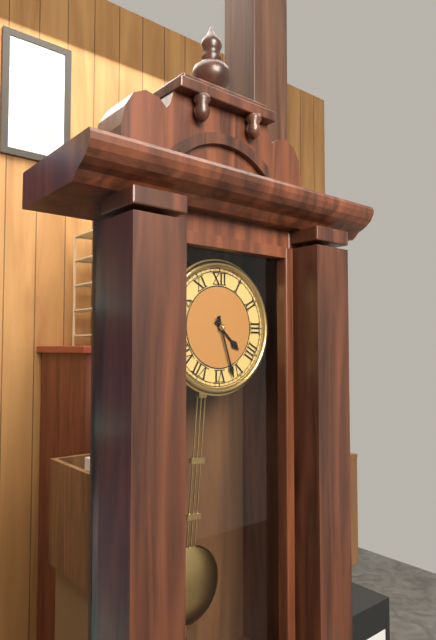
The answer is 4,27
